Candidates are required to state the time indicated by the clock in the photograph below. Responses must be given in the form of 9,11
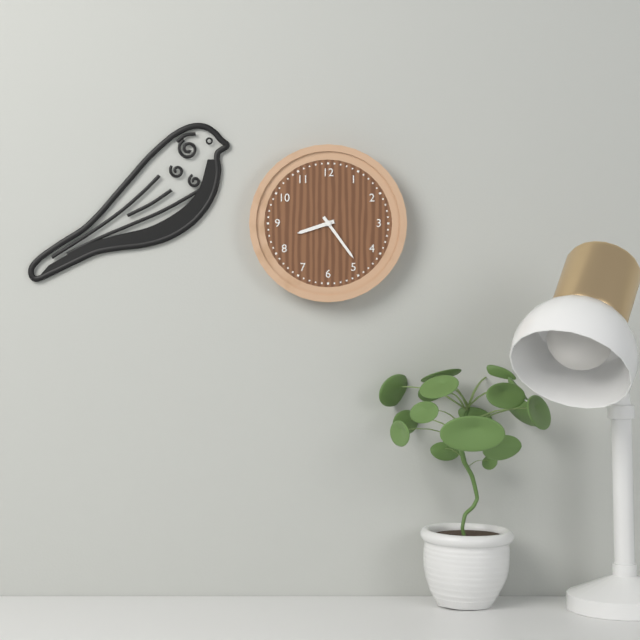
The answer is 8,24
